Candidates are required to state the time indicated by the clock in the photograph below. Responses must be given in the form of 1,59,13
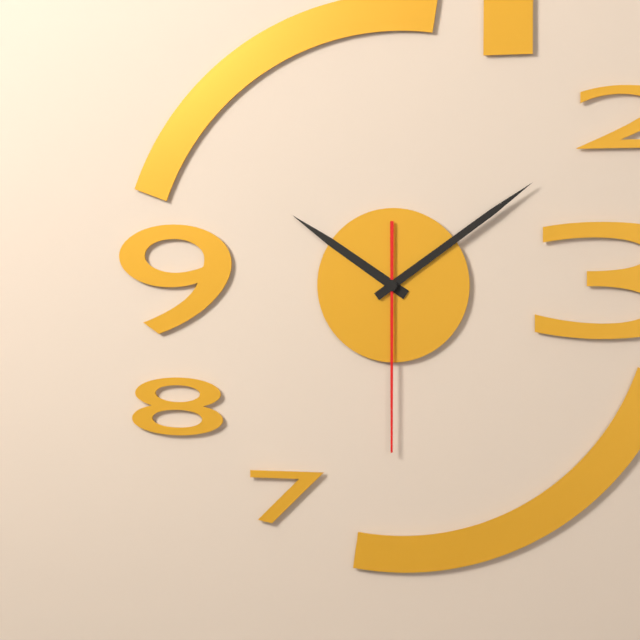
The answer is 10,09,30
